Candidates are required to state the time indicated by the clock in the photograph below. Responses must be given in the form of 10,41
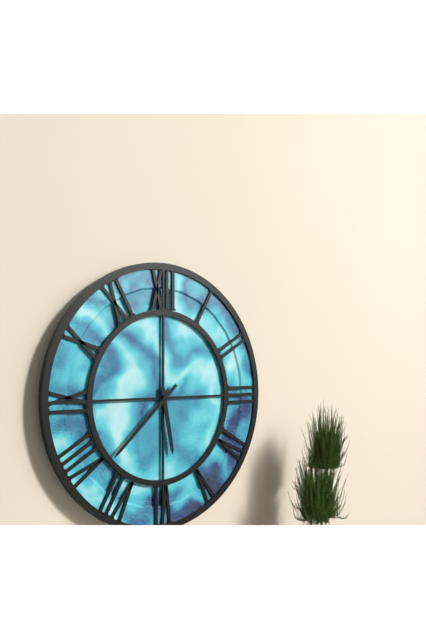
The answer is 5,38
